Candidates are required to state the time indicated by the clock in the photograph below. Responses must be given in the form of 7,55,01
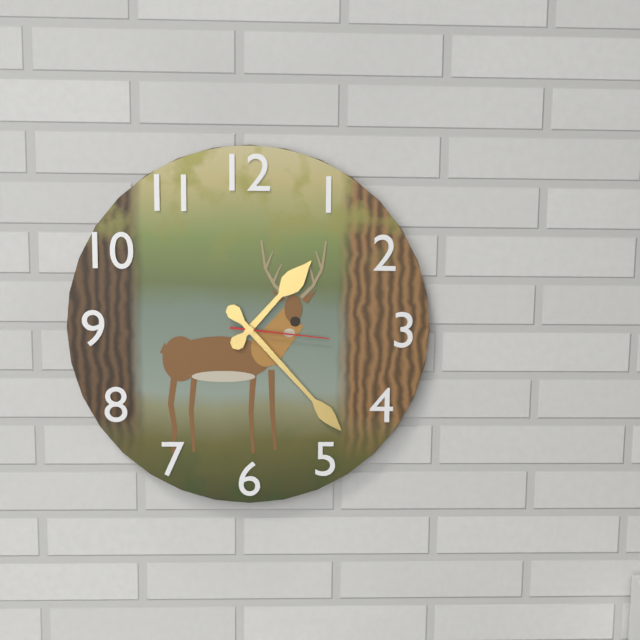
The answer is 1,23,16
